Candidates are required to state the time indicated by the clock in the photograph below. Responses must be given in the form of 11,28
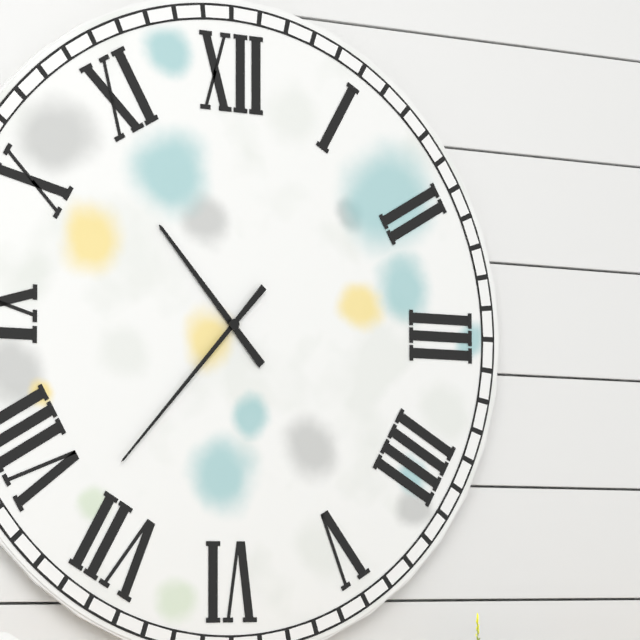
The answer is 10,37
